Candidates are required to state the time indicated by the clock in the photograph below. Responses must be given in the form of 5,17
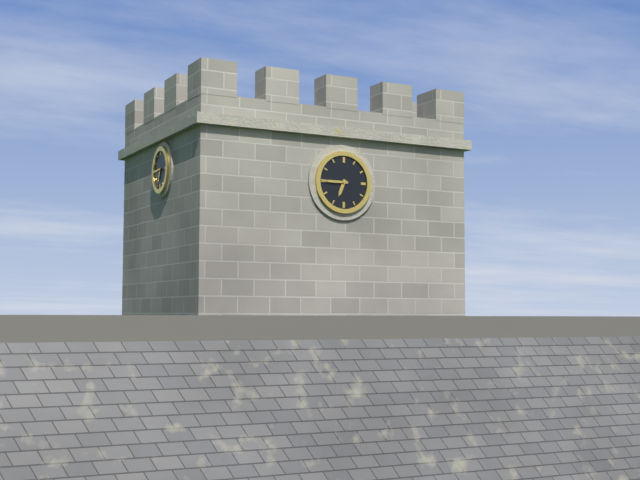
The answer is 6,45
